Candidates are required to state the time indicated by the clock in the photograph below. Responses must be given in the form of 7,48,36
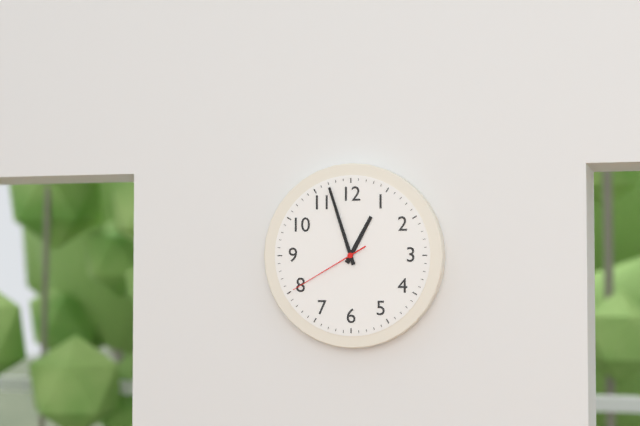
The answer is 12,57,40
